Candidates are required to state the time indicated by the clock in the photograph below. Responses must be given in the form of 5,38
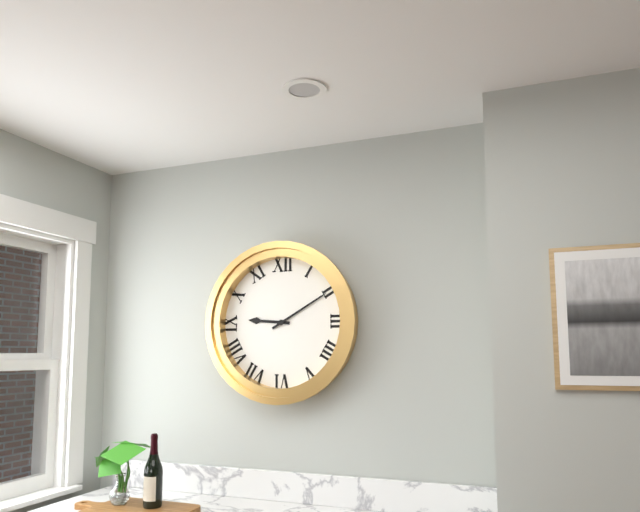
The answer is 9,10
